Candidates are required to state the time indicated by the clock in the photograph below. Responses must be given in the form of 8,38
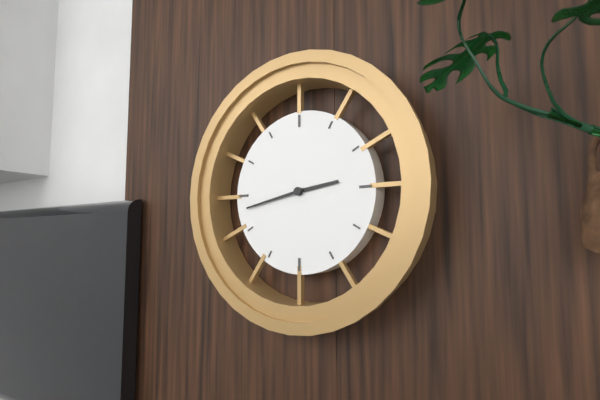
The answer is 2,43
